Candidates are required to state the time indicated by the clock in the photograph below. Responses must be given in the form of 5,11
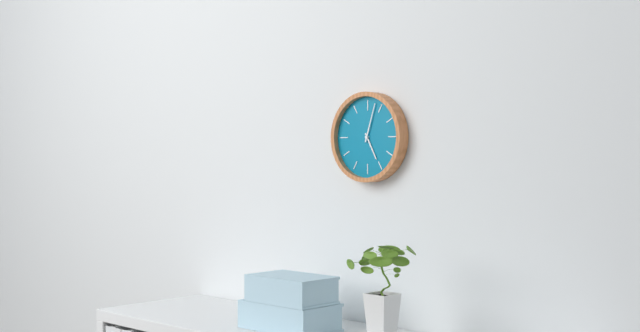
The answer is 5,03
